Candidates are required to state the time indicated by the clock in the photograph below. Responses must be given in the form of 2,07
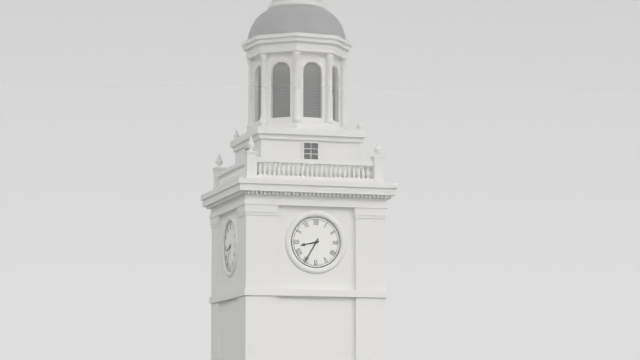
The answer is 8,35
